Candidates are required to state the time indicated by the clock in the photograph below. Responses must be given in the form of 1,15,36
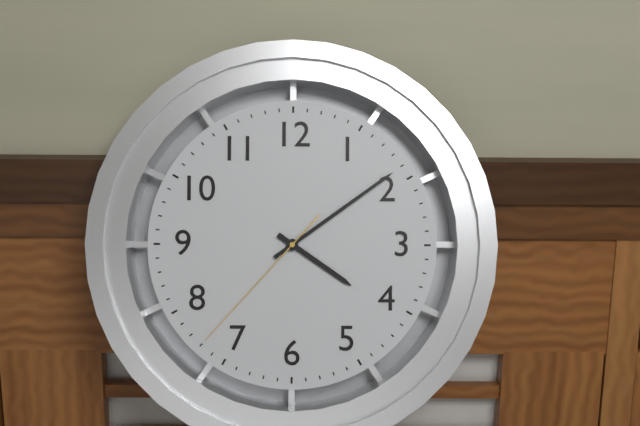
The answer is 4,09,37
